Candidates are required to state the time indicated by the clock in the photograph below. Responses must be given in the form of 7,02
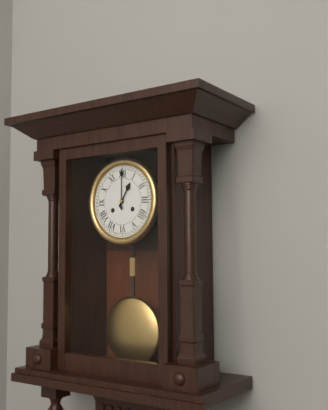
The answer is 1,00
